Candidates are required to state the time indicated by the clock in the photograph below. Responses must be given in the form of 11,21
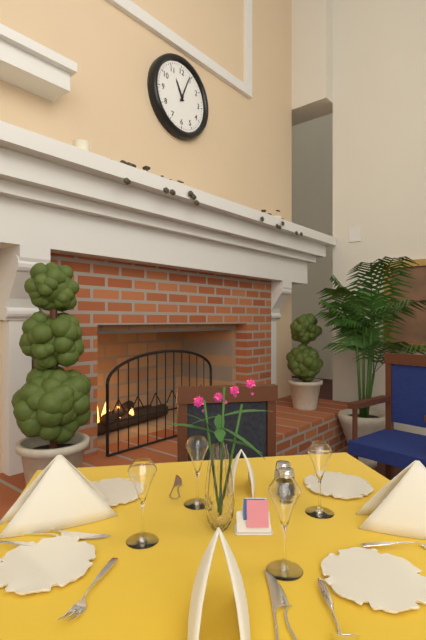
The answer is 11,04
